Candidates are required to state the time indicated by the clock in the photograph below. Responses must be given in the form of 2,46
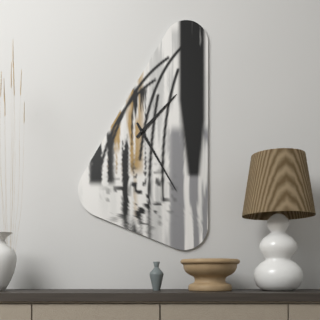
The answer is 1,25
